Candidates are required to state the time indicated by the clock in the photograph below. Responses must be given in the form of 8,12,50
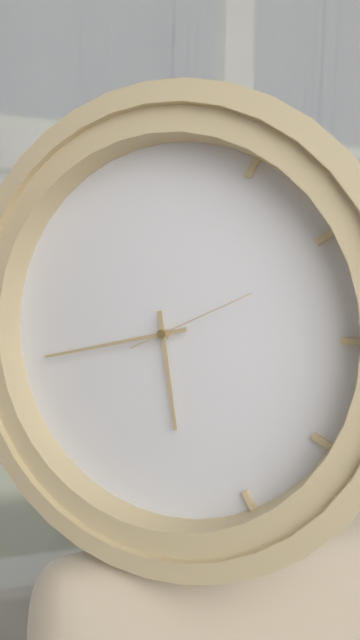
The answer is 5,43,11
